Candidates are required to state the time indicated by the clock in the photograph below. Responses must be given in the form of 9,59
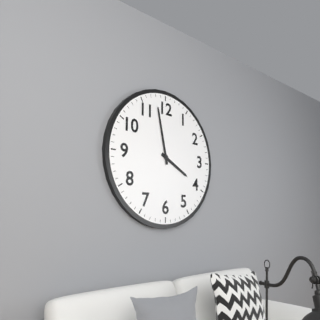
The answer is 3,58
